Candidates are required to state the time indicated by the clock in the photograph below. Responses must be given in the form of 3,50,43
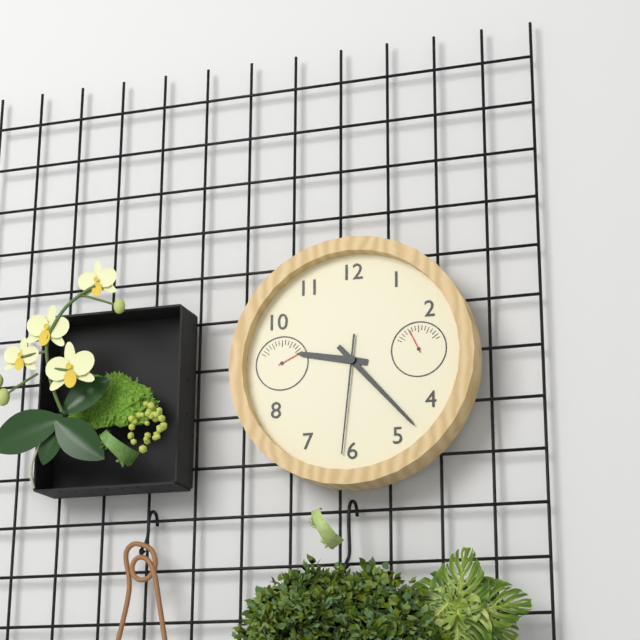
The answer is 9,23,31
